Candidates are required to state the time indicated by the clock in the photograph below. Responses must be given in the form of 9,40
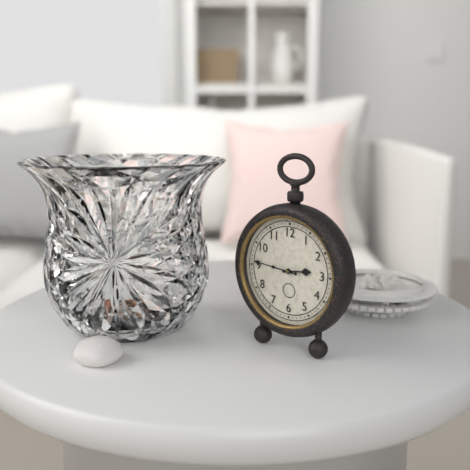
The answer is 2,46
